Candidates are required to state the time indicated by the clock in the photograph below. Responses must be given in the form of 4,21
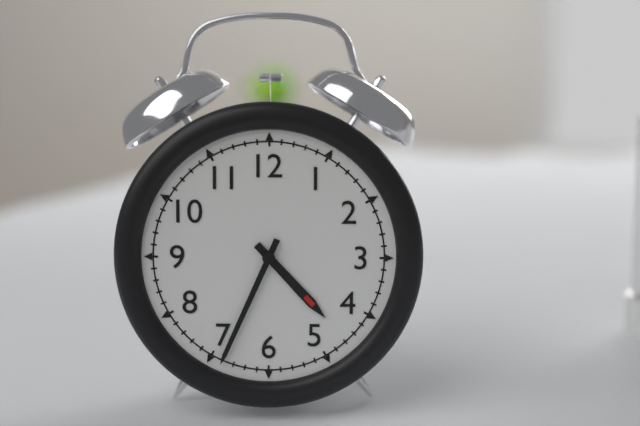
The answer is 4,34
